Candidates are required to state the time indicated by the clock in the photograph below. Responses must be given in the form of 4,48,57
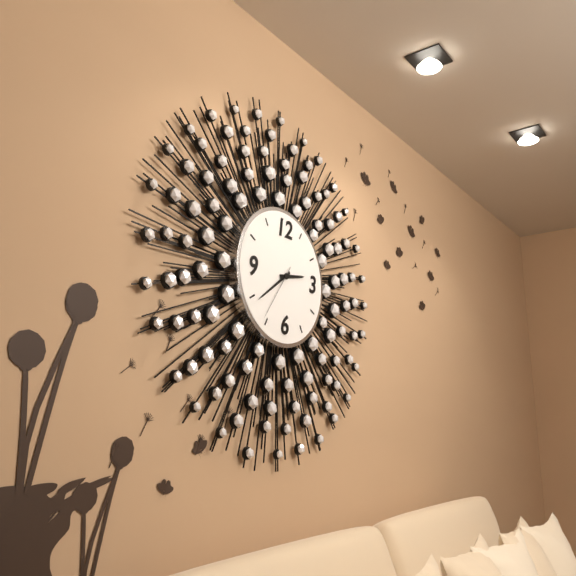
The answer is 2,39,36
